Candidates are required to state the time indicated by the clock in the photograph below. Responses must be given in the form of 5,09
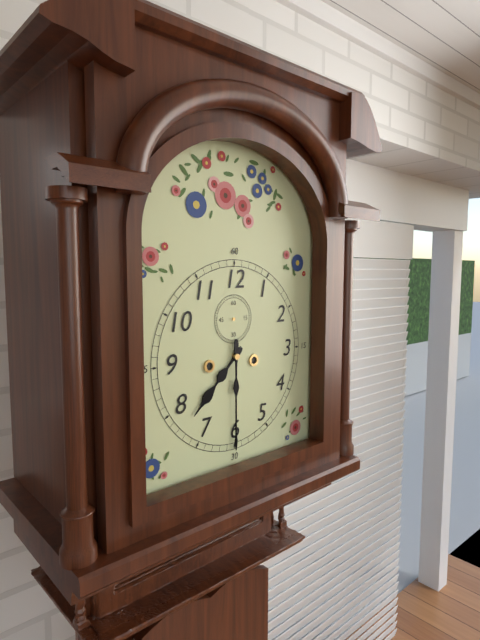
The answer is 7,30
